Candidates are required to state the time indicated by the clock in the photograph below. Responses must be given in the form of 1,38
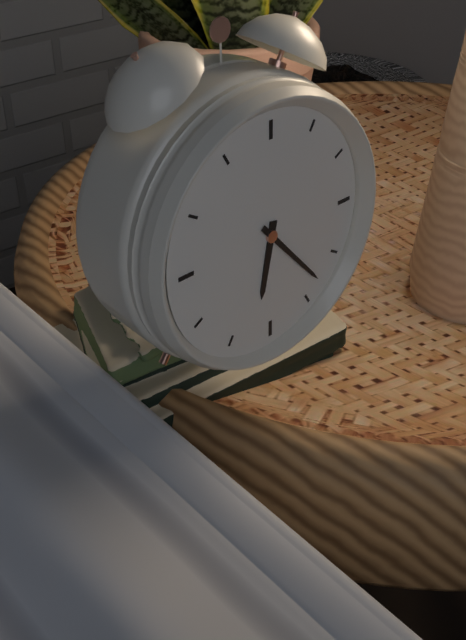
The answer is 6,23
